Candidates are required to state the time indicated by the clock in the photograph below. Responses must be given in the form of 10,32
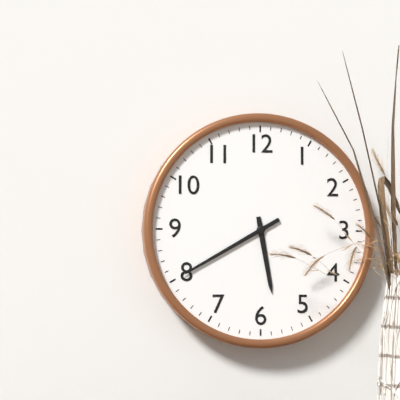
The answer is 5,40
